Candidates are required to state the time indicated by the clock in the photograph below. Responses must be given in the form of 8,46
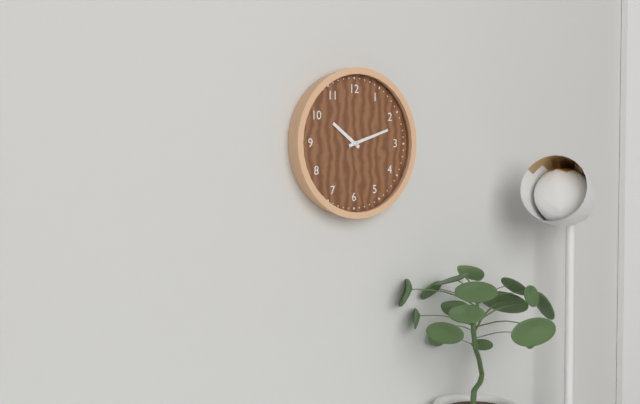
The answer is 10,12
